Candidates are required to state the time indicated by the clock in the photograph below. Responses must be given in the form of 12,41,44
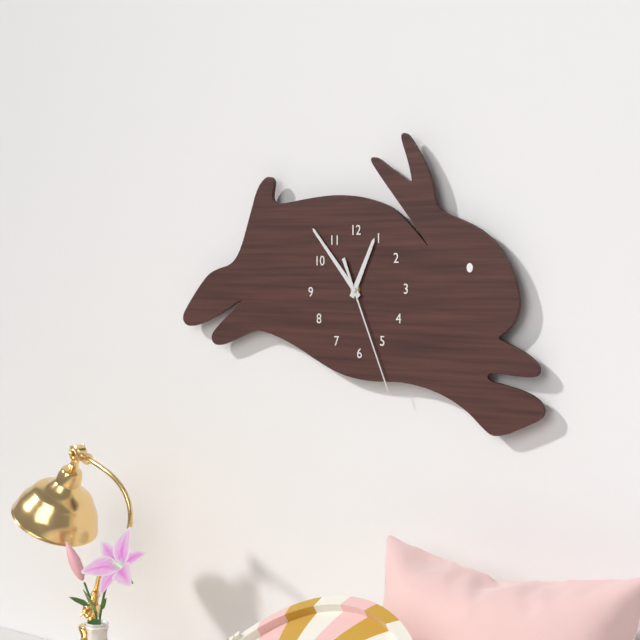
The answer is 12,53,26
